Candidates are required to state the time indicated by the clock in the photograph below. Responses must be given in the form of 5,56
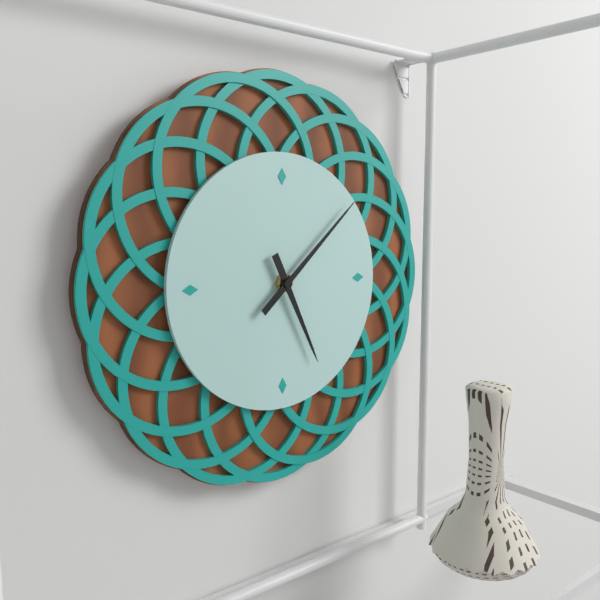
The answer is 5,08
